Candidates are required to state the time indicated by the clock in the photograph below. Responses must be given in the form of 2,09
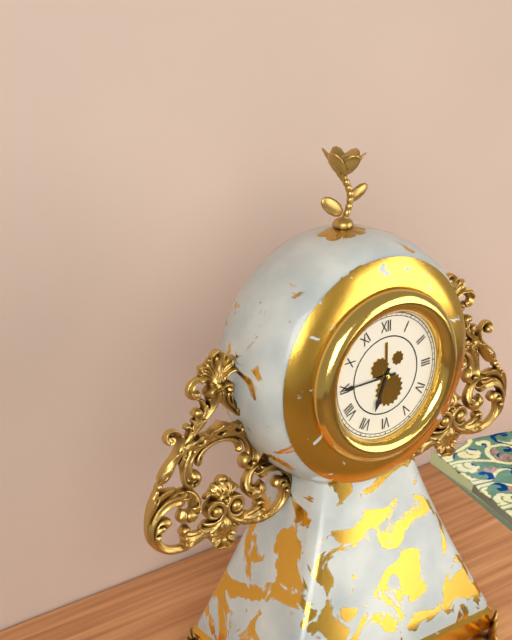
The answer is 6,45
